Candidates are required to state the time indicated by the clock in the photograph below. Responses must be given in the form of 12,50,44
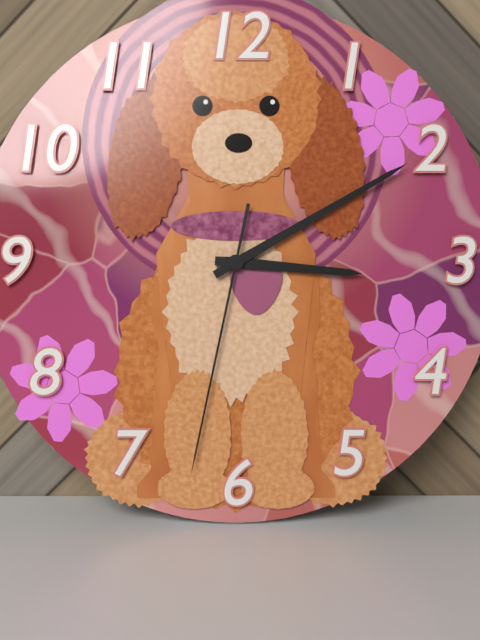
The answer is 3,10,32
